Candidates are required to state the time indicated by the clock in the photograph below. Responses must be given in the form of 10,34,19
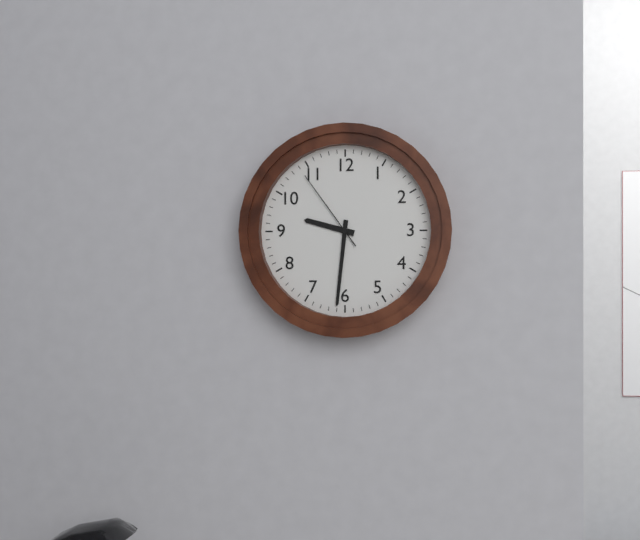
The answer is 9,31,54
